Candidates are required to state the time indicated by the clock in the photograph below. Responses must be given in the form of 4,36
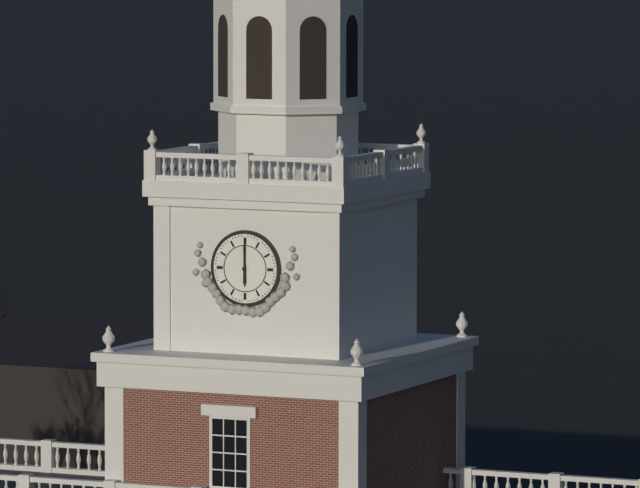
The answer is 6,00
